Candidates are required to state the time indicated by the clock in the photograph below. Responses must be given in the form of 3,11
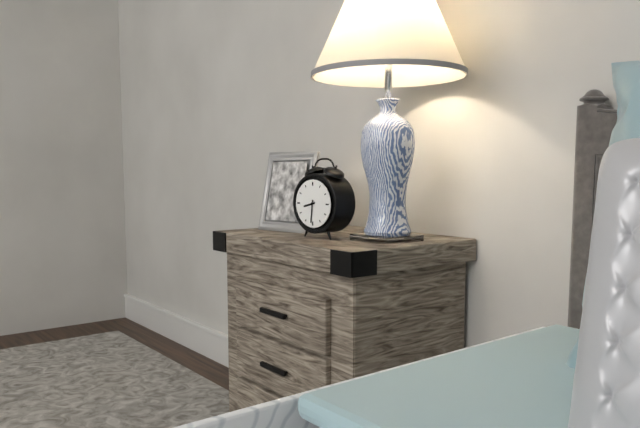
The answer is 8,31
